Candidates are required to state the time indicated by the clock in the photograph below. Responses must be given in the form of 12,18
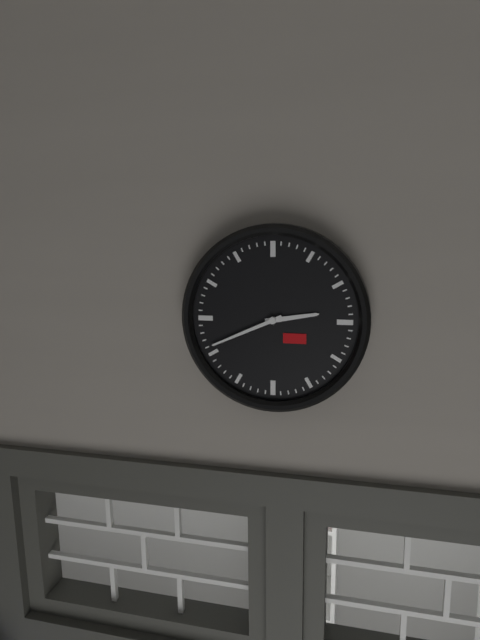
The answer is 2,41
